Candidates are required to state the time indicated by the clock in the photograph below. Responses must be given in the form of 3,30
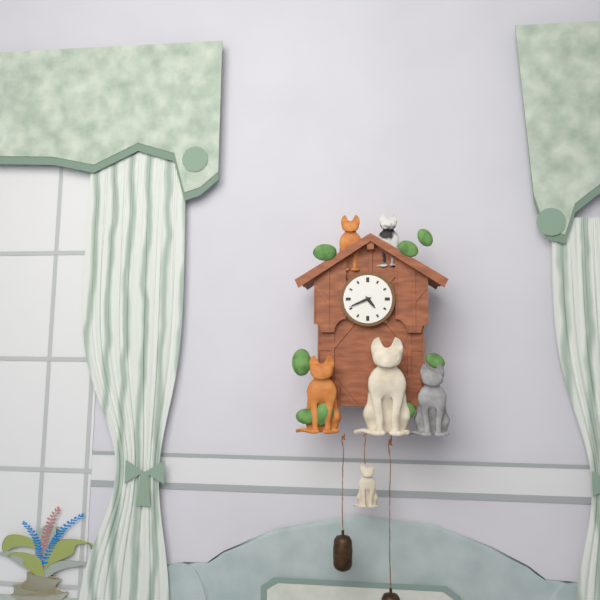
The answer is 4,41
